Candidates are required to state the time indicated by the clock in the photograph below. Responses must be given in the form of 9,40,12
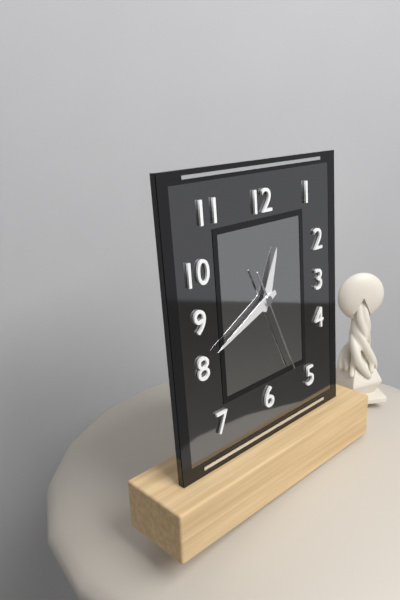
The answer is 12,41,26
